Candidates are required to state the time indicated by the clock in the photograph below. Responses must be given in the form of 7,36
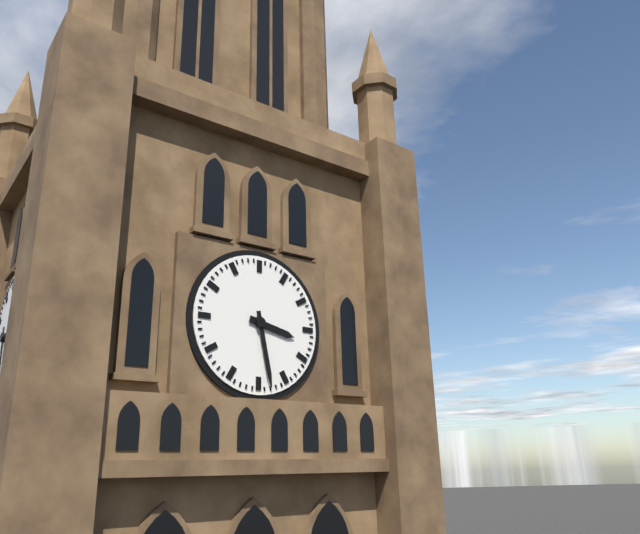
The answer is 3,28
